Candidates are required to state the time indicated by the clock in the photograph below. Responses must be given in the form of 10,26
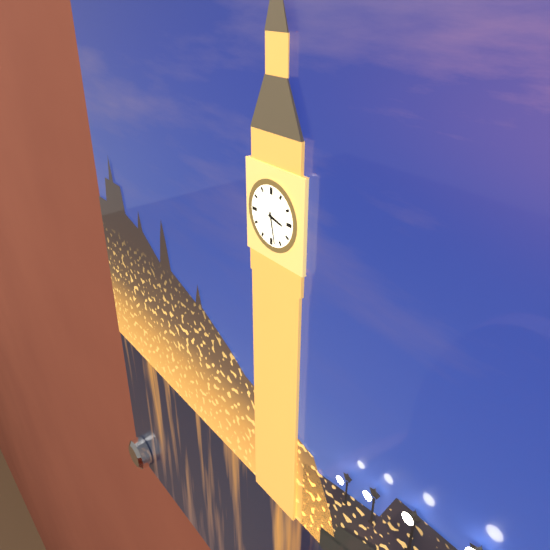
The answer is 3,28
